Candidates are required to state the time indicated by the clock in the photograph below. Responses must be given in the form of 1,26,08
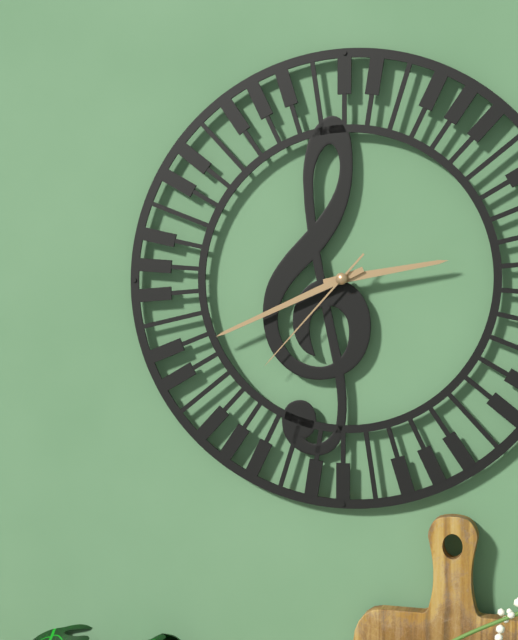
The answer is 2,41,37
